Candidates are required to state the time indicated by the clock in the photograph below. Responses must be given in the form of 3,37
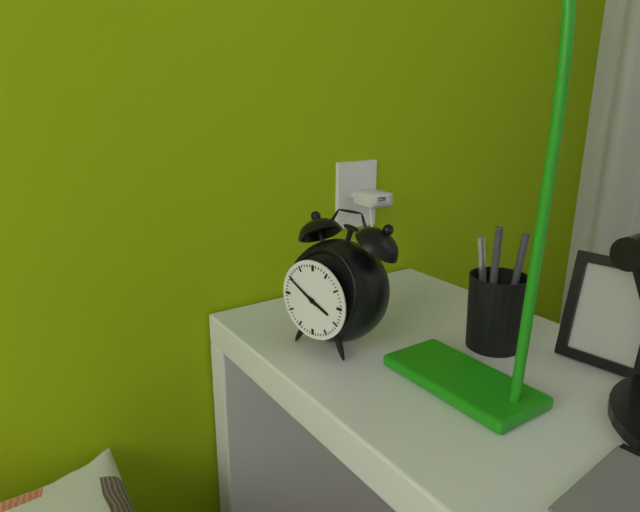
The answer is 3,50
